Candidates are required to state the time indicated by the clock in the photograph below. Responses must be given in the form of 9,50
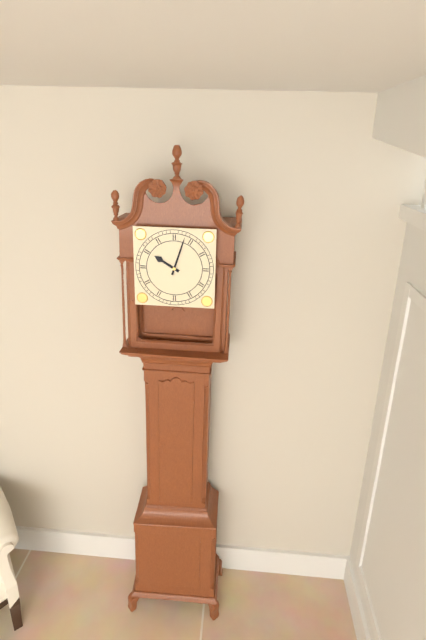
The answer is 10,03
